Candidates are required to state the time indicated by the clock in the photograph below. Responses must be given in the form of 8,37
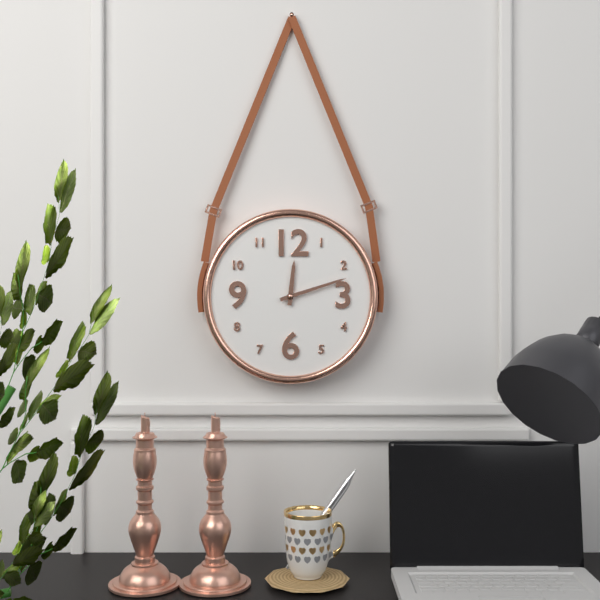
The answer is 12,12
